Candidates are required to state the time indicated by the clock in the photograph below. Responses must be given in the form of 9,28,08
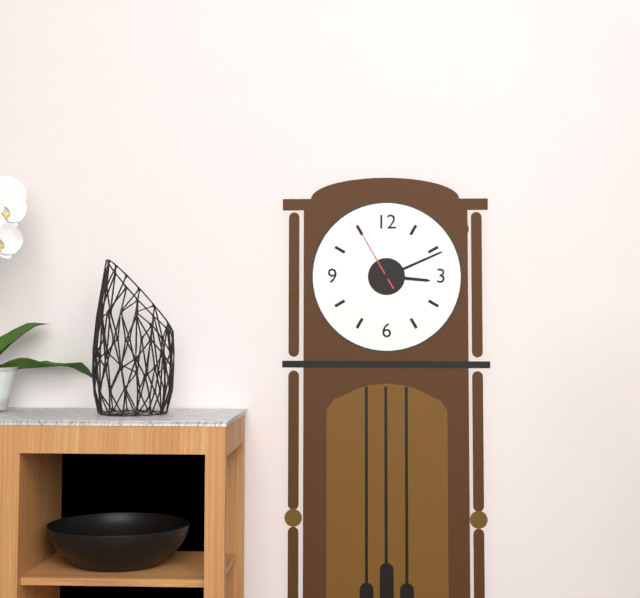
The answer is 3,11,55
